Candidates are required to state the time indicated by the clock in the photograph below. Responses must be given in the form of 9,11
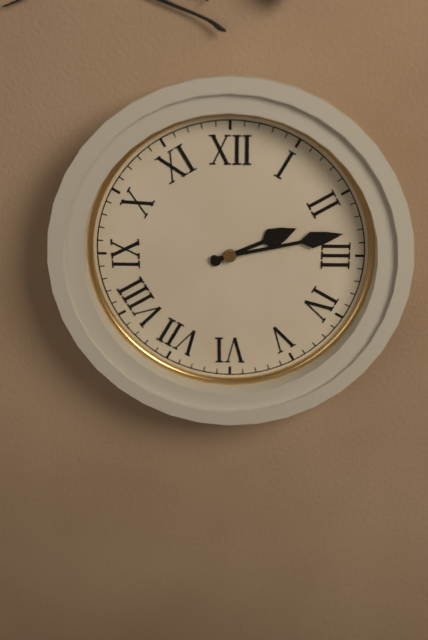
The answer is 2,13
